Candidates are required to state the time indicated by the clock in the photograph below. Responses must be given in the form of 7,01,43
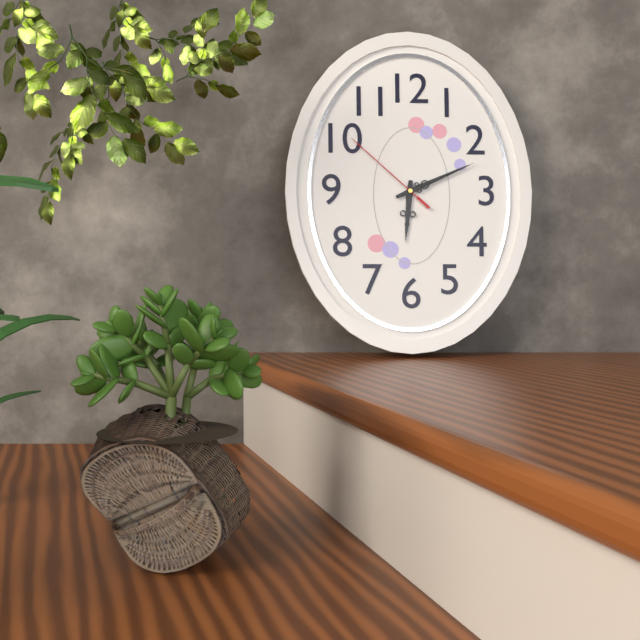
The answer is 6,11,52
